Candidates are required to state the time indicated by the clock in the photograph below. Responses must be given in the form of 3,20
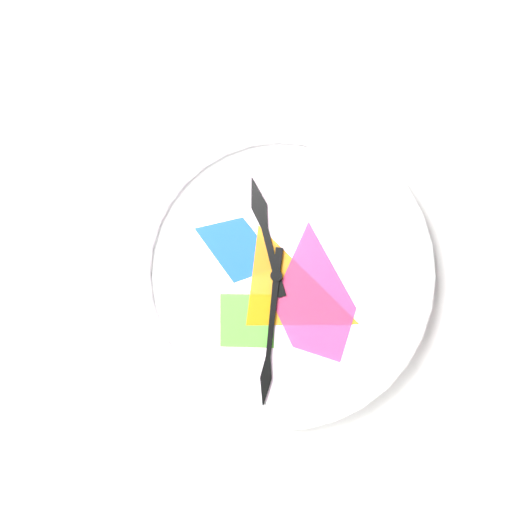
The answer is 11,31
